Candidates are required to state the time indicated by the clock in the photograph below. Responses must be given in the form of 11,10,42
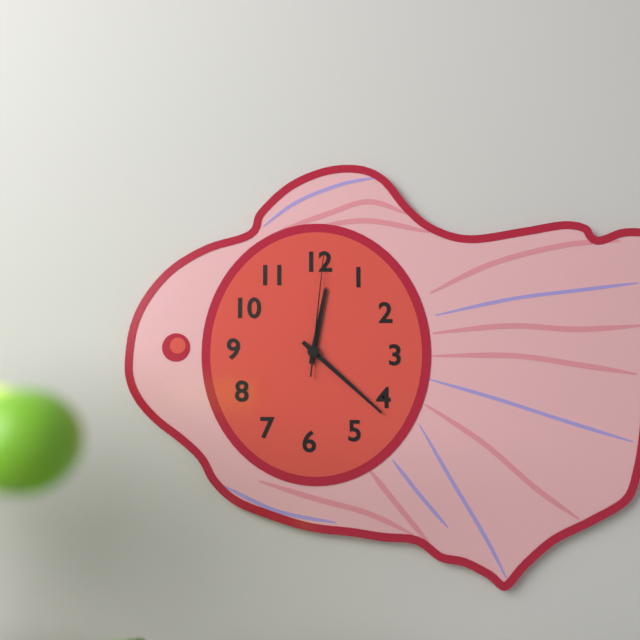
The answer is 12,22,01
